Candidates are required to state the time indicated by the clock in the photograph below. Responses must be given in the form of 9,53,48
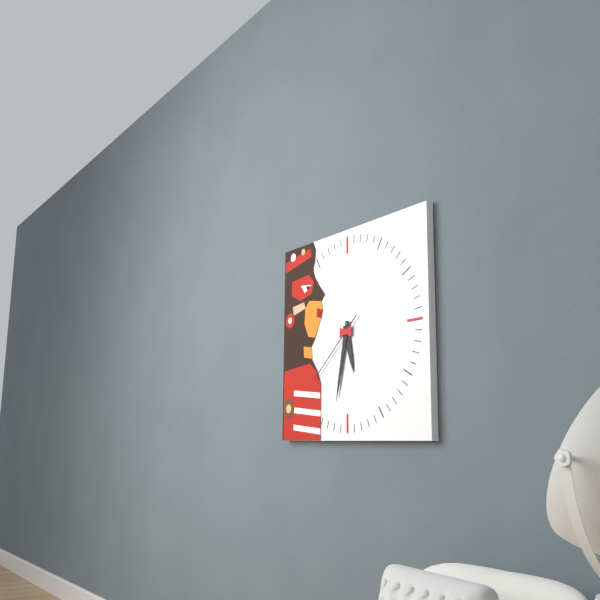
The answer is 5,32,38
